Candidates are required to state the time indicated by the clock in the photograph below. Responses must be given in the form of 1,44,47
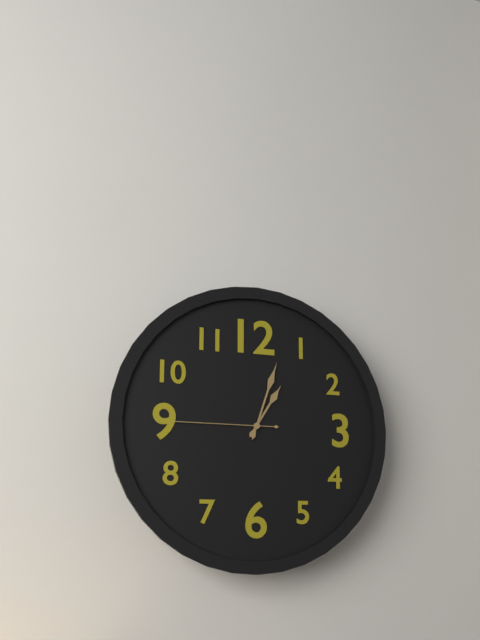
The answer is 1,03,45
